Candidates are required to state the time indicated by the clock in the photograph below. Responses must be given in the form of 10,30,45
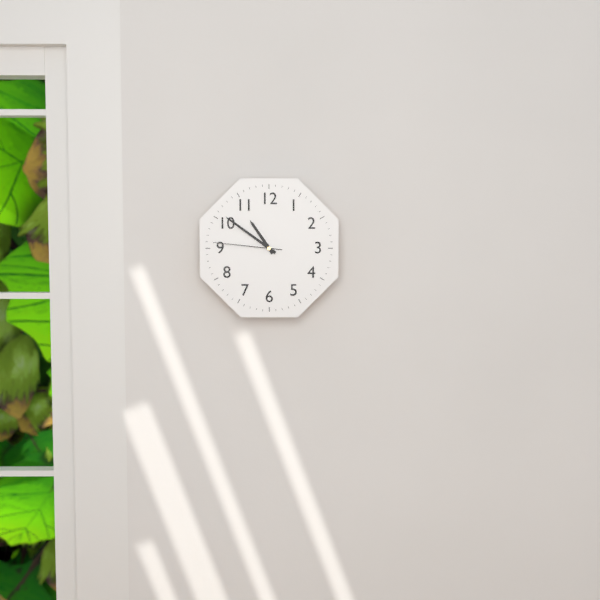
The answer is 10,51,46
